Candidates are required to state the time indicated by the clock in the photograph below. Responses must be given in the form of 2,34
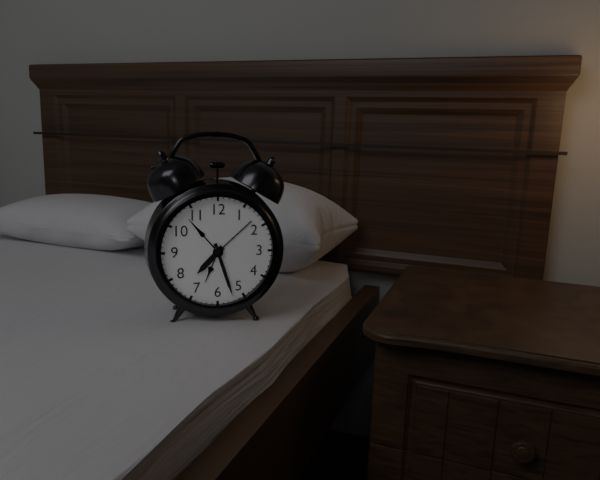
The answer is 7,27
